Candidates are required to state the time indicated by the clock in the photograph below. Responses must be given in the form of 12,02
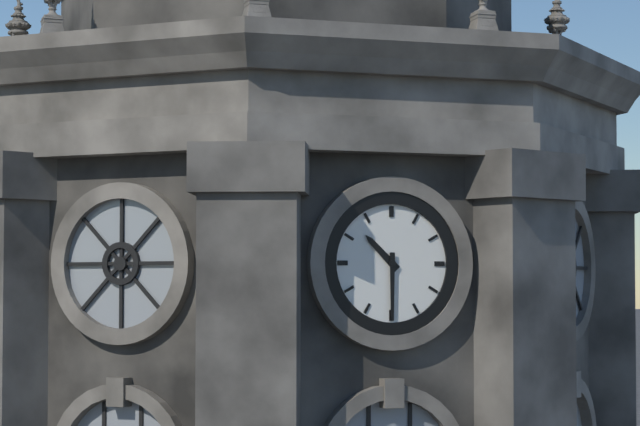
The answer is 10,30
